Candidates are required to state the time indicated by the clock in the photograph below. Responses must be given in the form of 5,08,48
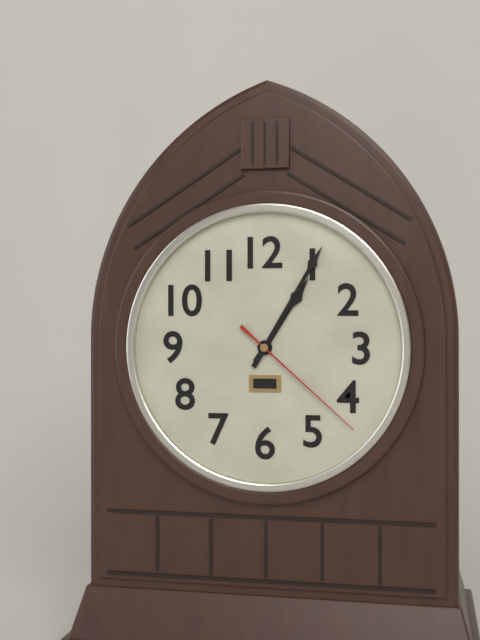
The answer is 1,05,22
